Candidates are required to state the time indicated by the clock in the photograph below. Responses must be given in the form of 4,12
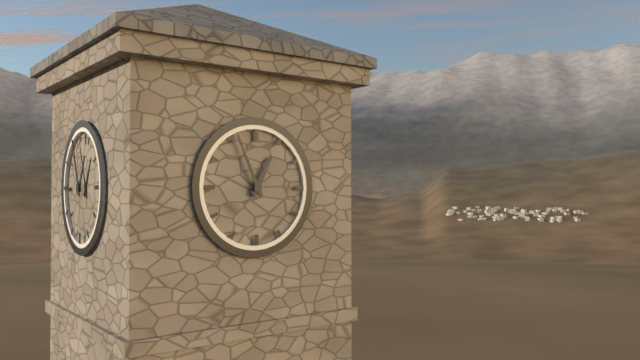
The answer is 12,56
